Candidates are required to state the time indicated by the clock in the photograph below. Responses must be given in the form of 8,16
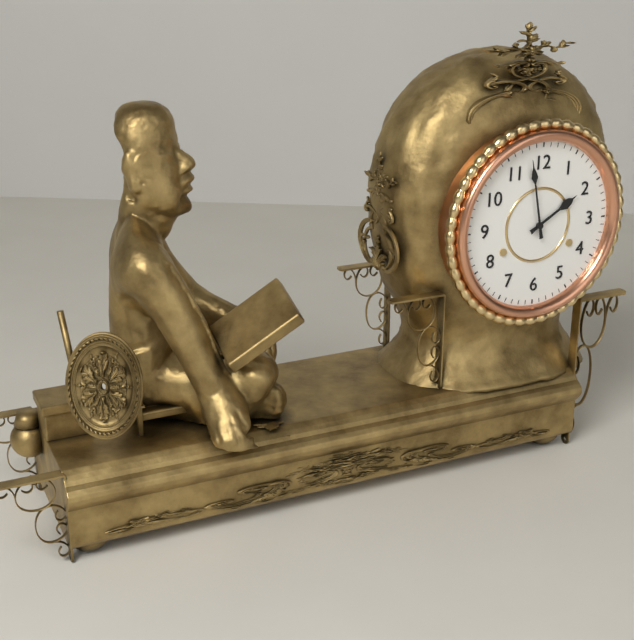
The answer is 1,58
